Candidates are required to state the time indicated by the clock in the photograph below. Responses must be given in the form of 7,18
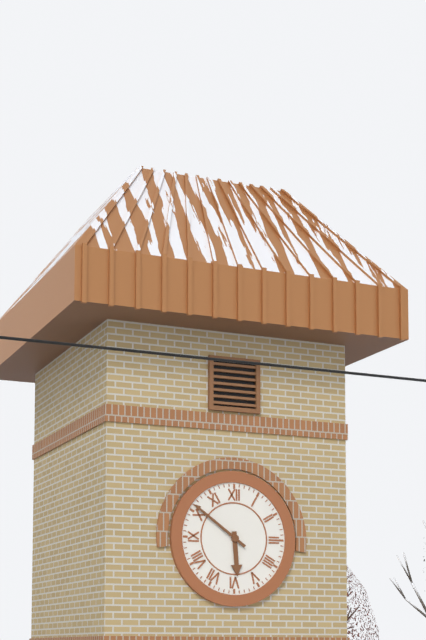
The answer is 5,51
